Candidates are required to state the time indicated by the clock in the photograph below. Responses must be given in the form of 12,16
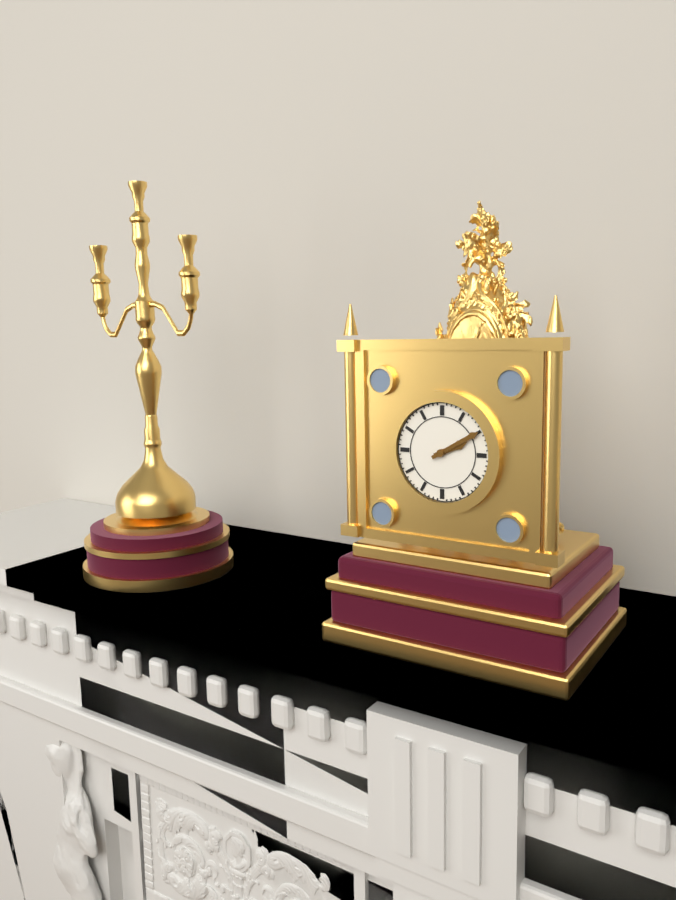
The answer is 2,10
